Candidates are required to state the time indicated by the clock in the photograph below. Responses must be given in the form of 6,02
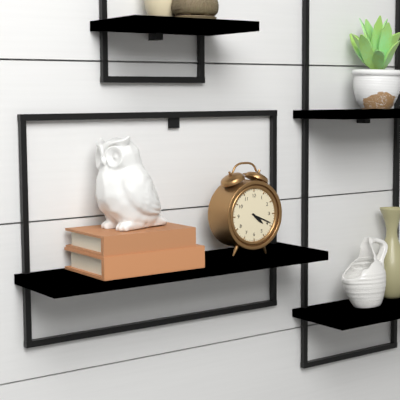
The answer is 4,19
